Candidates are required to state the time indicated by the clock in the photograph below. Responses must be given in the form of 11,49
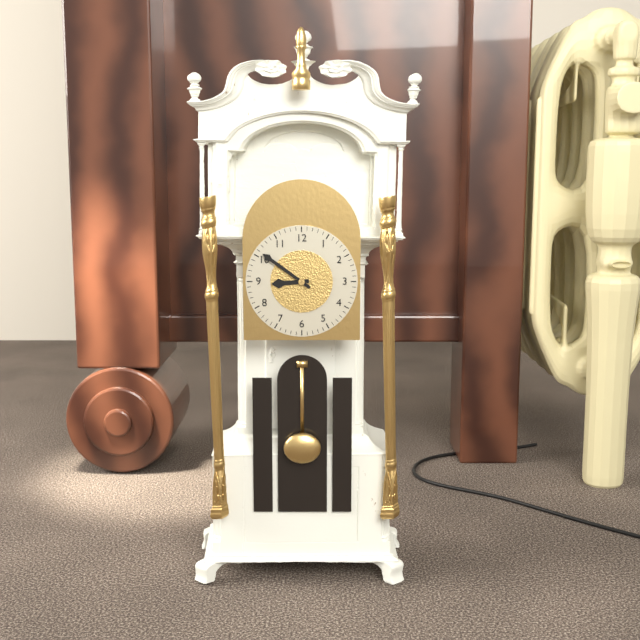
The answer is 8,51
